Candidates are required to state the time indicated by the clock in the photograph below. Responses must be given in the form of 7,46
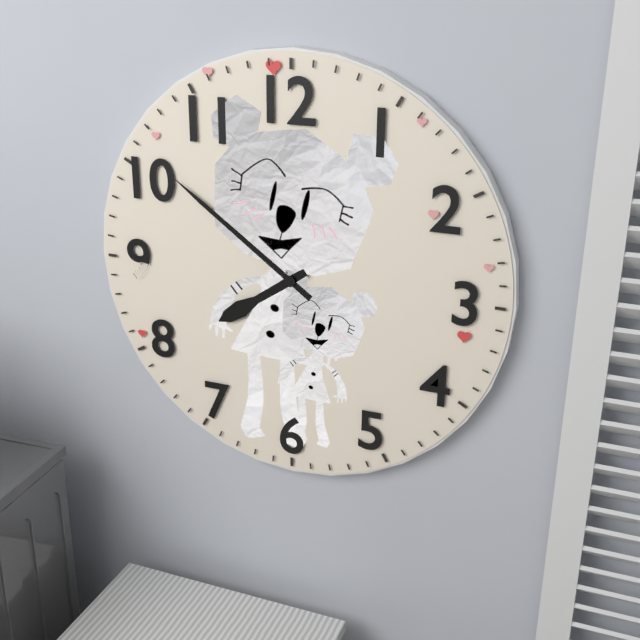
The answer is 7,51
